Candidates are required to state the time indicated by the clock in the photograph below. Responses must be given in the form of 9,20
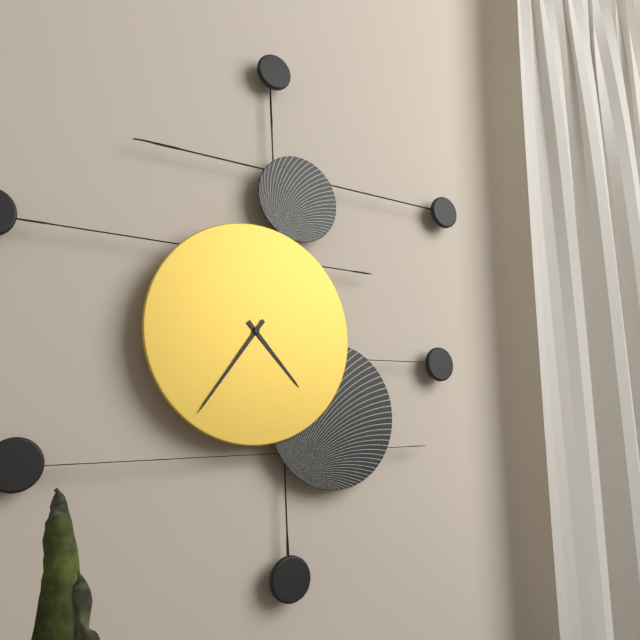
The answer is 4,36
